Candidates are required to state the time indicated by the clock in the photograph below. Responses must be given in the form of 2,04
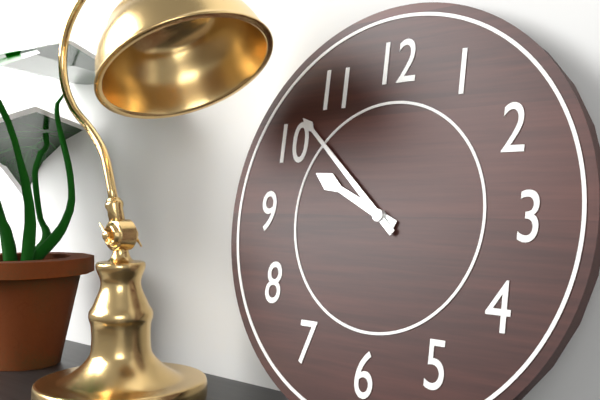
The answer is 9,52
